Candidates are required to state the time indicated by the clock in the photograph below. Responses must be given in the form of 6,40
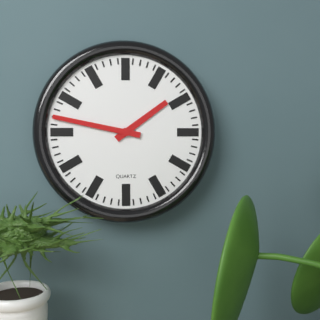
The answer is 1,47
